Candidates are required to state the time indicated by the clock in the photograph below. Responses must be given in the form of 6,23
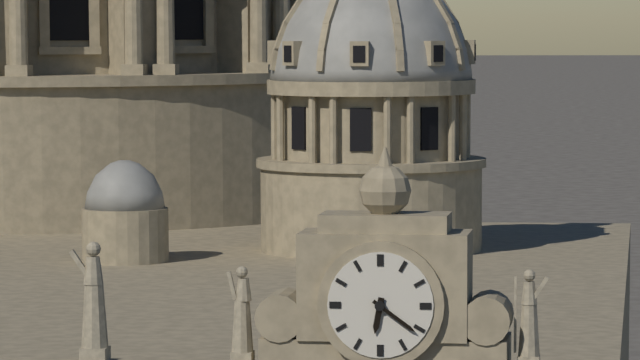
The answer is 6,21
